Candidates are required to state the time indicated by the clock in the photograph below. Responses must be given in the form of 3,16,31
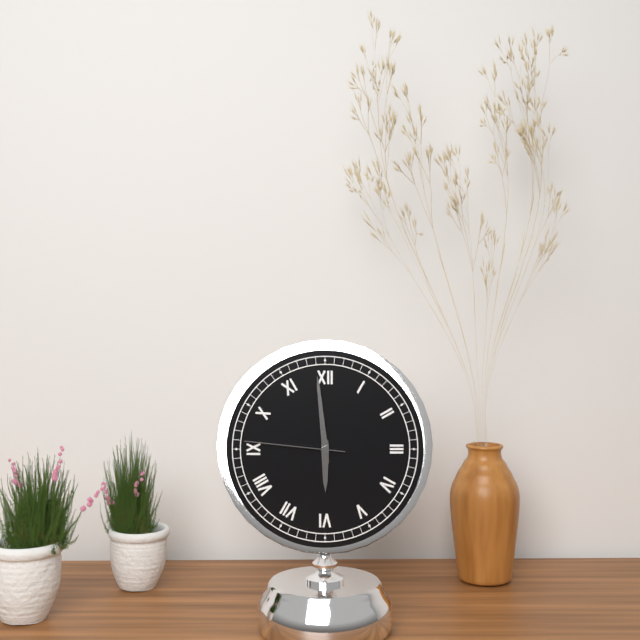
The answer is 5,59,46
